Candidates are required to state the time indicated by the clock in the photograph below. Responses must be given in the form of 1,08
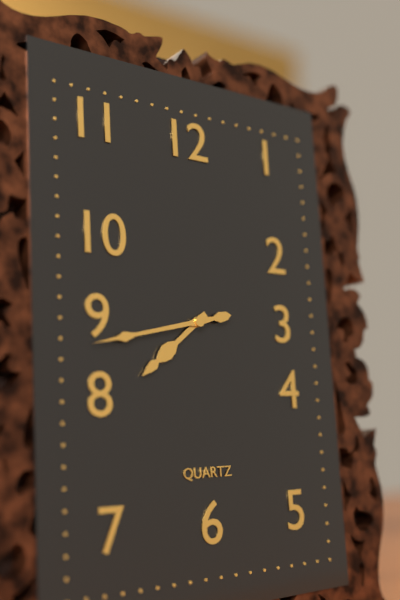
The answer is 7,43
